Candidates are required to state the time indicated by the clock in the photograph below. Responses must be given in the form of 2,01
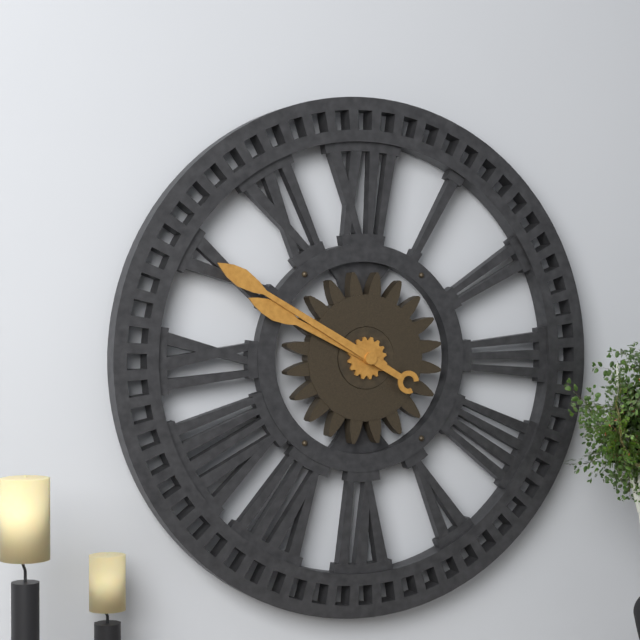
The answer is 9,50
